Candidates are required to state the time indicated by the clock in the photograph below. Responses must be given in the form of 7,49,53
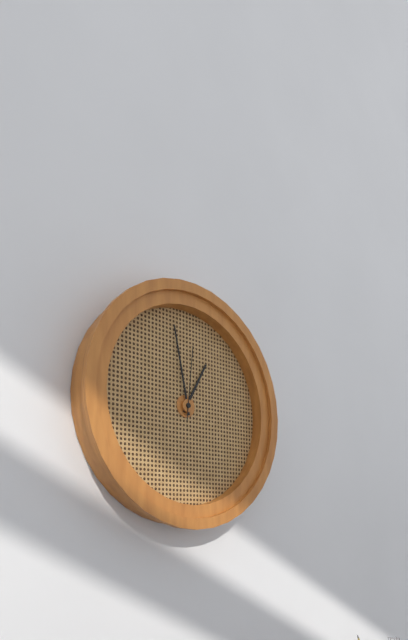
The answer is 12,58,01
